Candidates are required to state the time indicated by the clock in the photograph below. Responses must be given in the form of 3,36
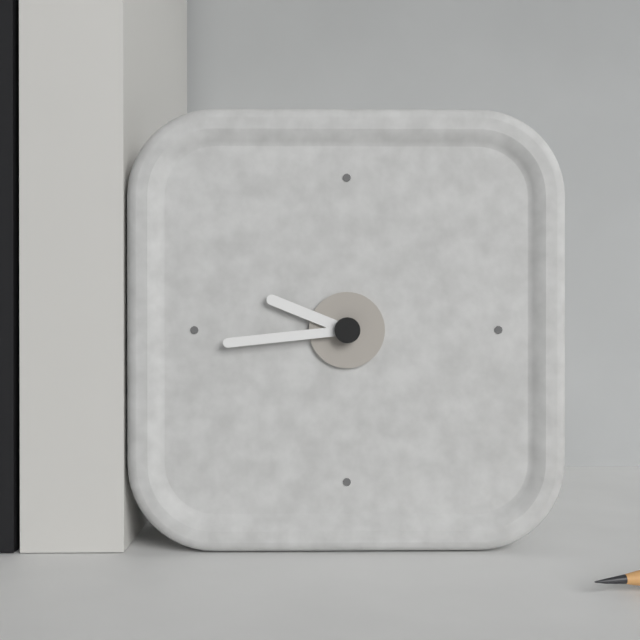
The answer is 9,44
